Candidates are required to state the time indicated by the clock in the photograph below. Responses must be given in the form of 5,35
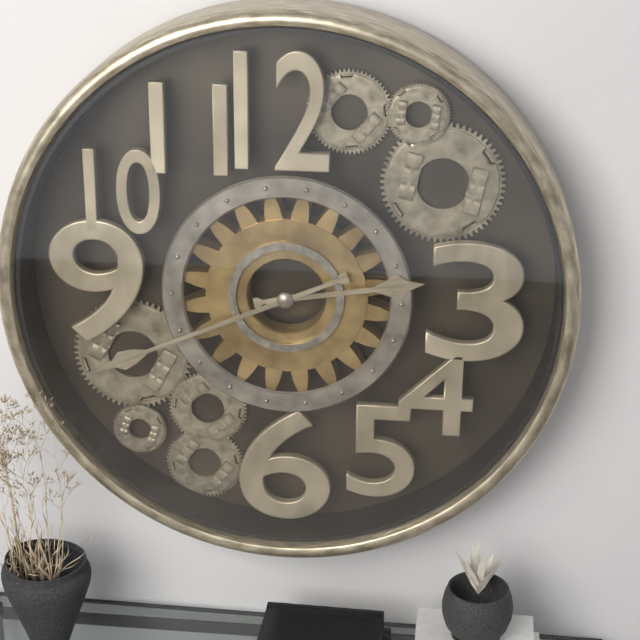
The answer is 2,41
